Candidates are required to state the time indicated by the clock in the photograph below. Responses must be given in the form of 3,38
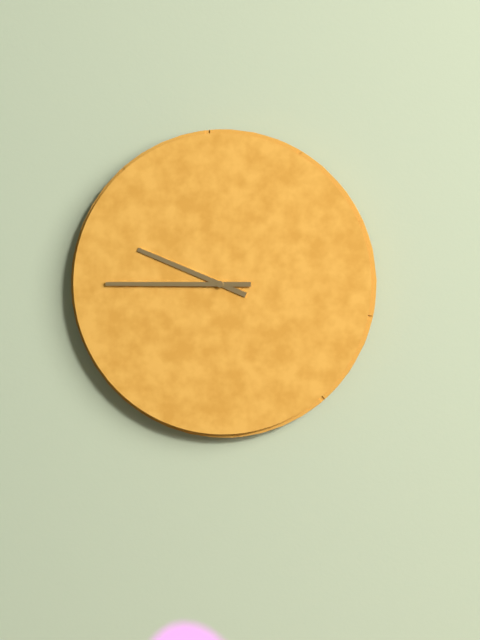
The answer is 9,45
